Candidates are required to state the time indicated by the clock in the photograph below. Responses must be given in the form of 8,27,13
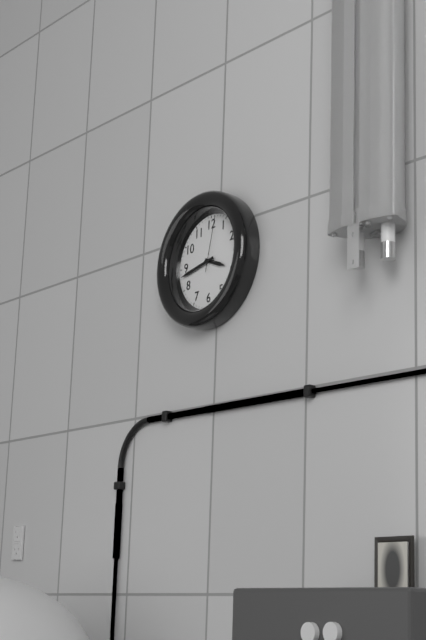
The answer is 3,43,02
